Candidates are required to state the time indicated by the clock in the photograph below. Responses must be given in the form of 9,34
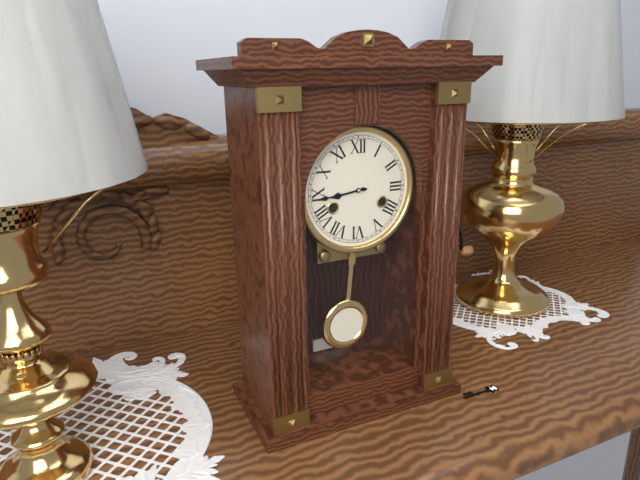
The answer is 8,44
